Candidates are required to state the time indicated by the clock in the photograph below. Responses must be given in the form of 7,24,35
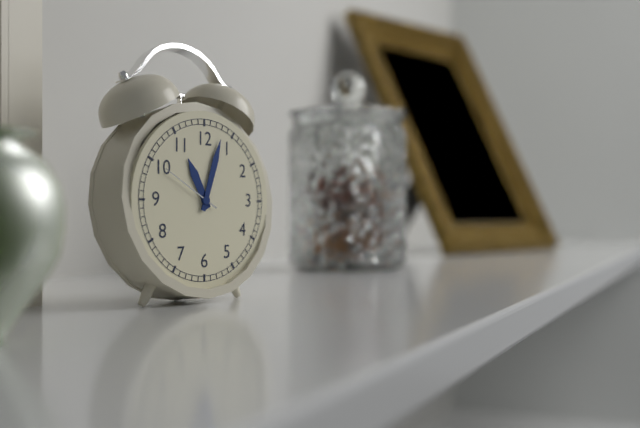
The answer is 11,03,50
